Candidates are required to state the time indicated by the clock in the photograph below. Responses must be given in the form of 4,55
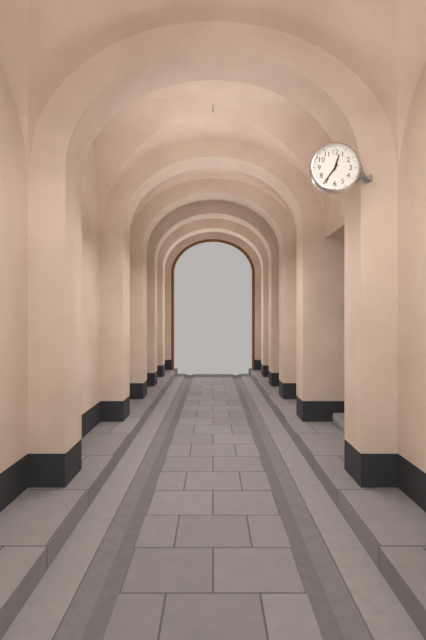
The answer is 12,36
